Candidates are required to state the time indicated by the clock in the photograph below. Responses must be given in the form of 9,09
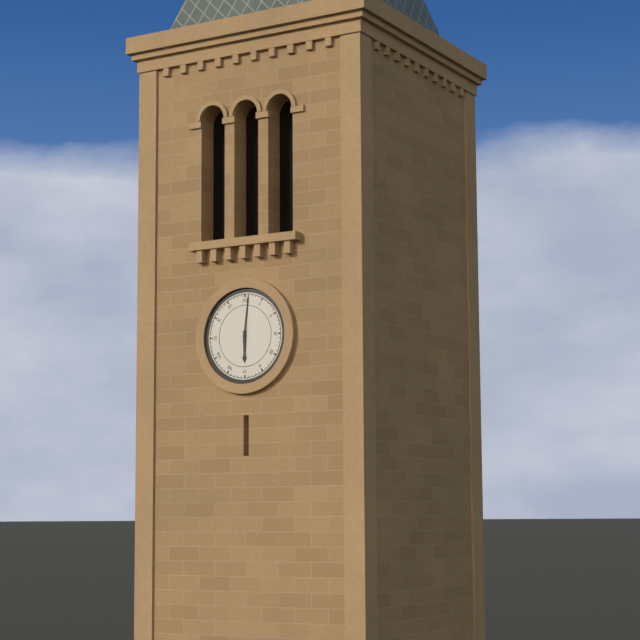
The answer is 6,01
